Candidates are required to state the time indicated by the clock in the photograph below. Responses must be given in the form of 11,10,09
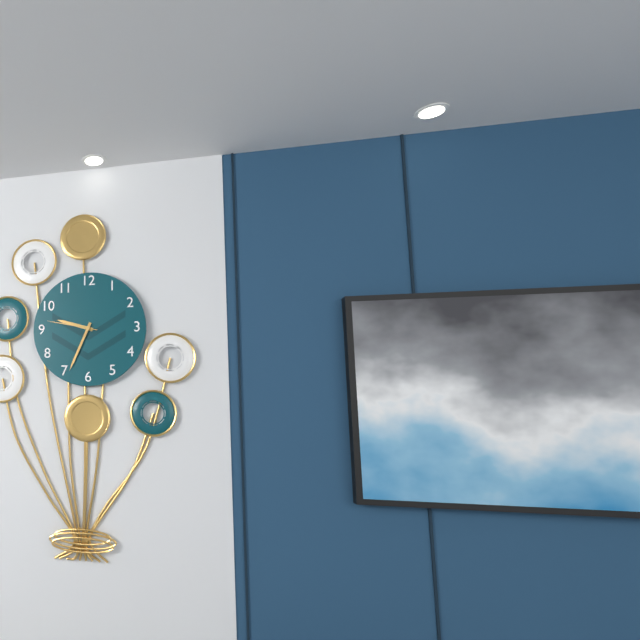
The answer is 9,34,47
